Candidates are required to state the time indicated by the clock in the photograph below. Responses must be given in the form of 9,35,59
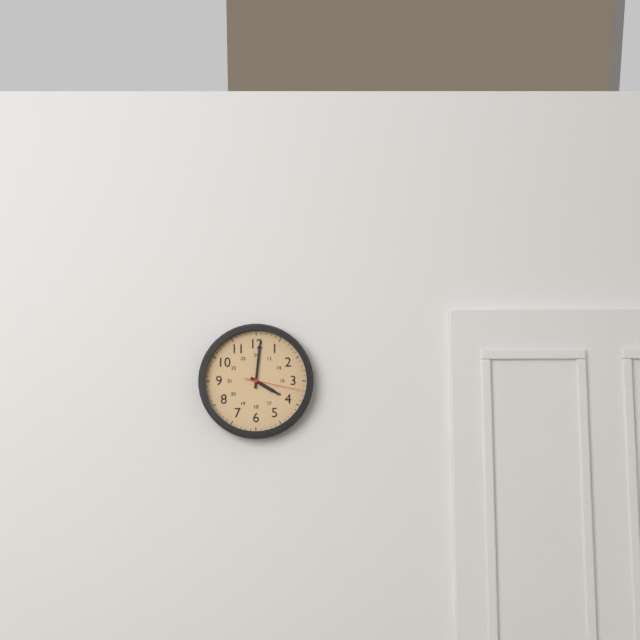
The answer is 4,01,17
